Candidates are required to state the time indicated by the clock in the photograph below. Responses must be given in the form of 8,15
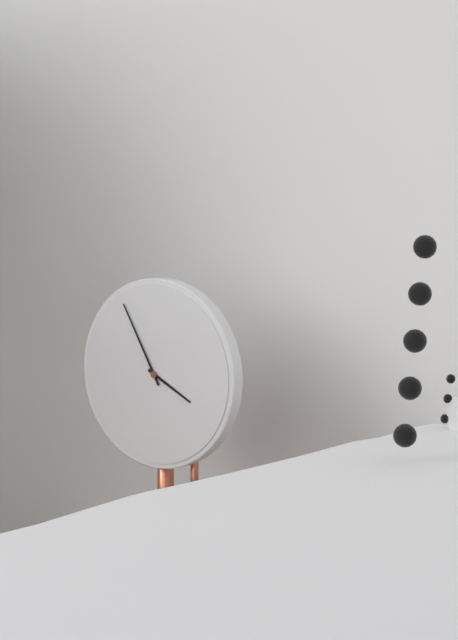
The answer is 3,55
